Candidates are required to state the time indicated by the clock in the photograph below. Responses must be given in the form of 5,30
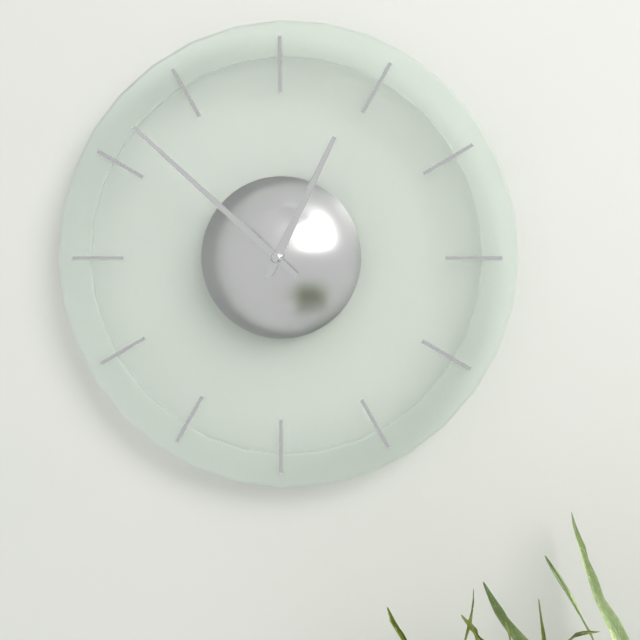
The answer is 12,52
